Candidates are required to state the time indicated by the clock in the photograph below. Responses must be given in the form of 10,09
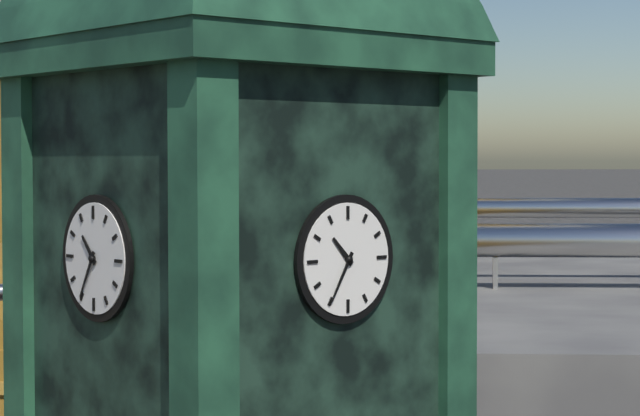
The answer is 10,35
